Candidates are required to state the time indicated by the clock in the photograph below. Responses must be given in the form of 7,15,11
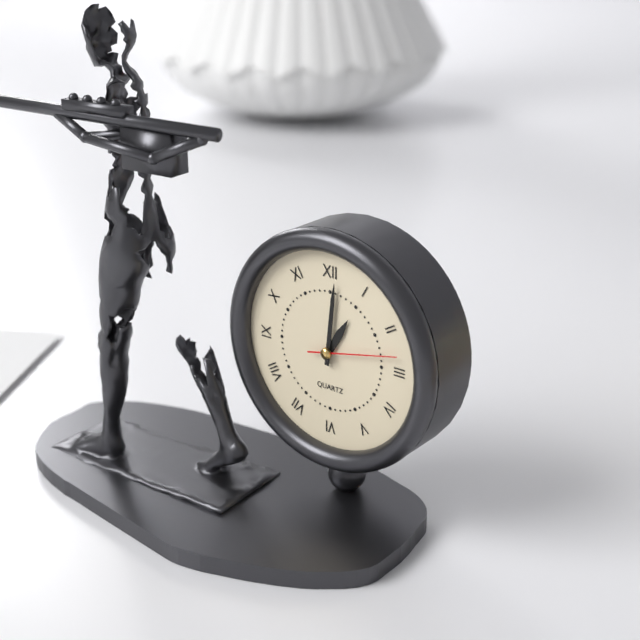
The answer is 1,01,13
